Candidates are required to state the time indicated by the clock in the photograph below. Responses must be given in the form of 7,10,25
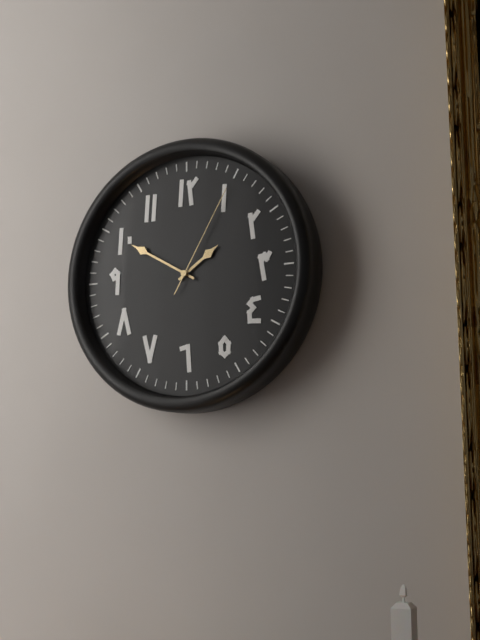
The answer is 1,50,05
